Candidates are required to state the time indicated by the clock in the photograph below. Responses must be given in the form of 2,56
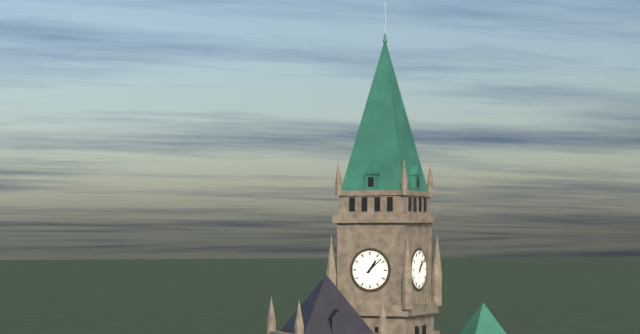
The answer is 1,08
